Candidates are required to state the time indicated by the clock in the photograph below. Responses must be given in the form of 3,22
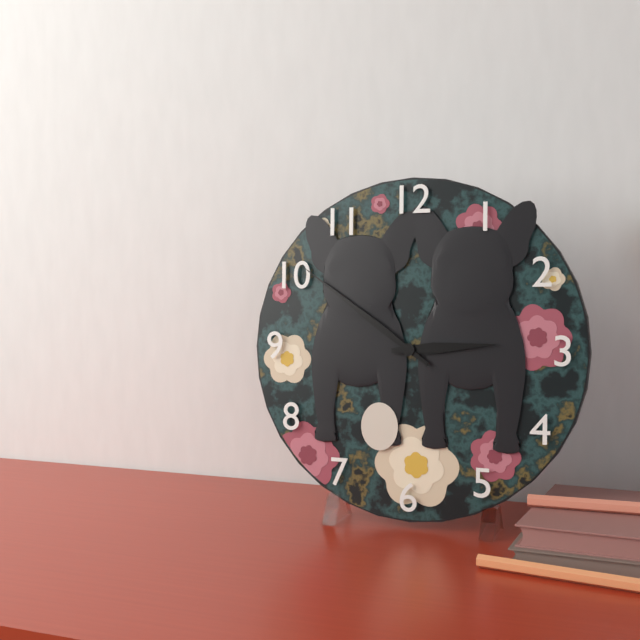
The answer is 2,51
